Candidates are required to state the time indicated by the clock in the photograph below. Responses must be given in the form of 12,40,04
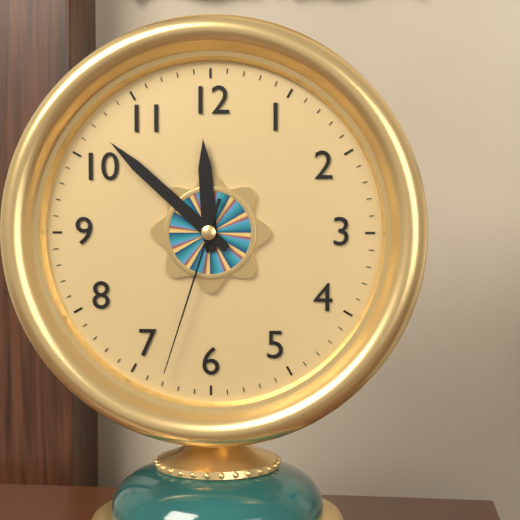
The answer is 11,52,33
